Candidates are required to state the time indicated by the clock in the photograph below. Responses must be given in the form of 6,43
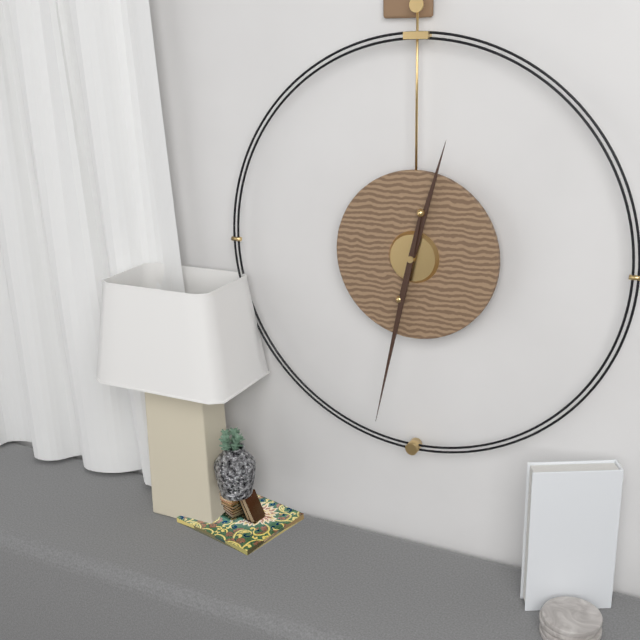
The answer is 12,32
